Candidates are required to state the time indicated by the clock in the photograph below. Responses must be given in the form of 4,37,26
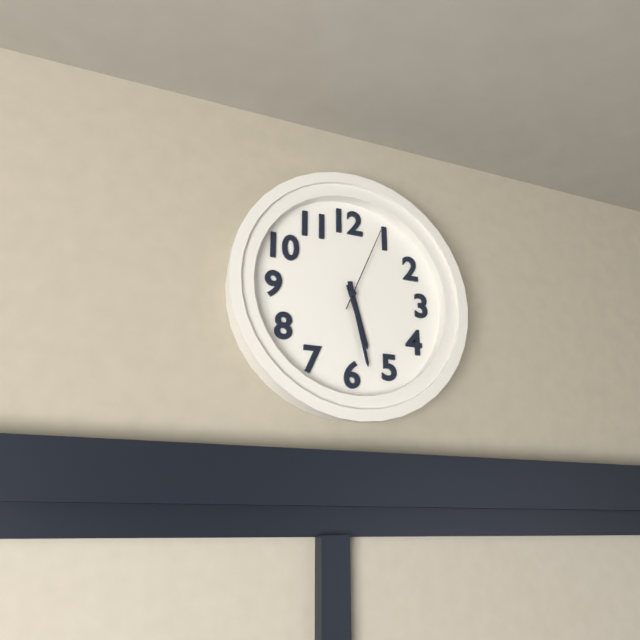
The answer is 5,28,04
